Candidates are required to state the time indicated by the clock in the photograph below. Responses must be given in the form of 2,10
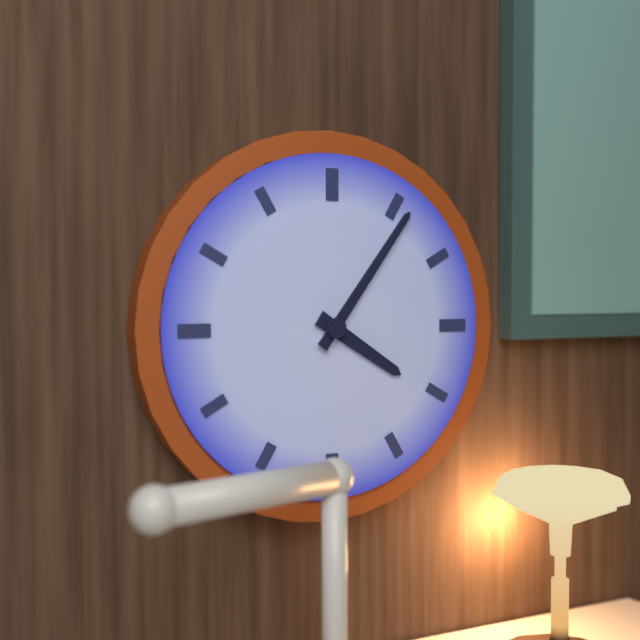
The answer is 4,06
